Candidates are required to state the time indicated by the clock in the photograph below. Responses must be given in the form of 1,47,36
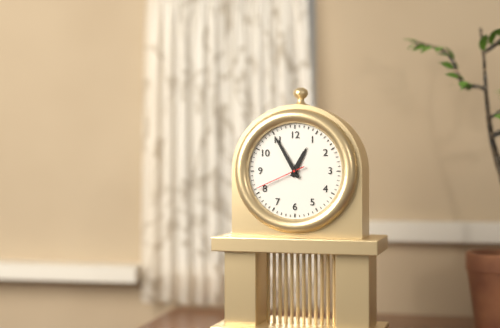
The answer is 12,55,41
